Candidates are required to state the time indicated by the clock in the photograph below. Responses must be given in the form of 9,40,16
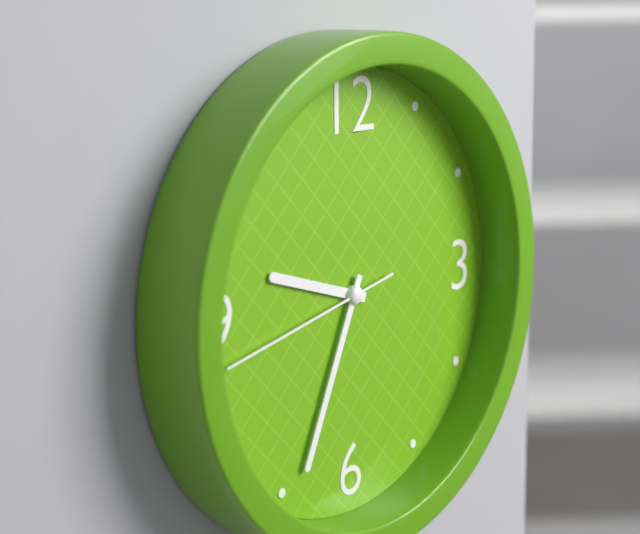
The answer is 9,34,43
